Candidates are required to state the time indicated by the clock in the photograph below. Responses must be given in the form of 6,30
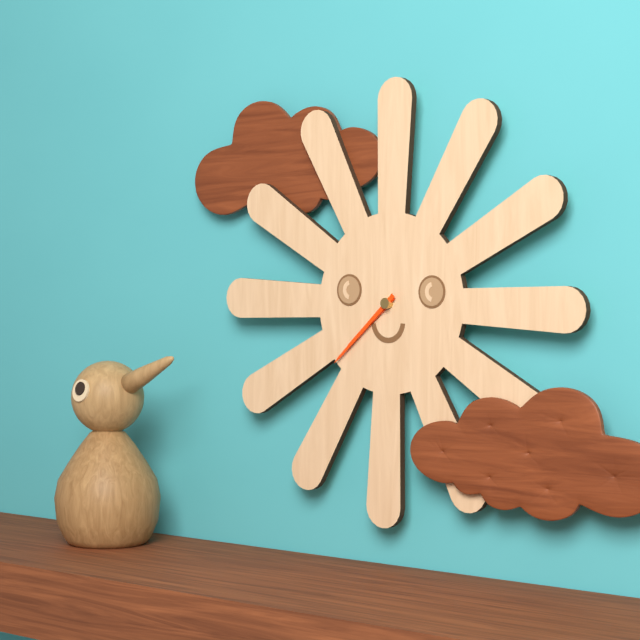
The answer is 7,38
